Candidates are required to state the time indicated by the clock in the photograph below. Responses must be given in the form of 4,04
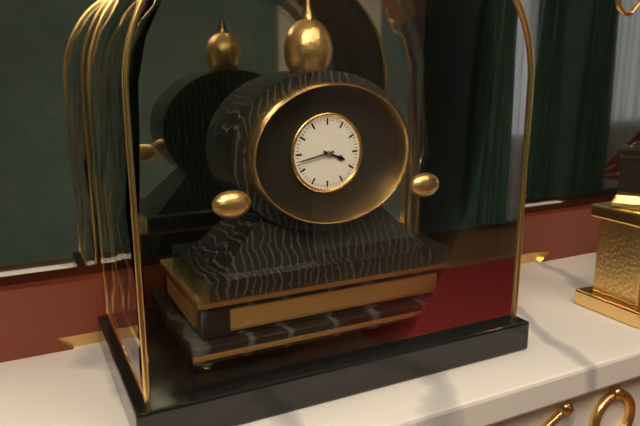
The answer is 3,43
